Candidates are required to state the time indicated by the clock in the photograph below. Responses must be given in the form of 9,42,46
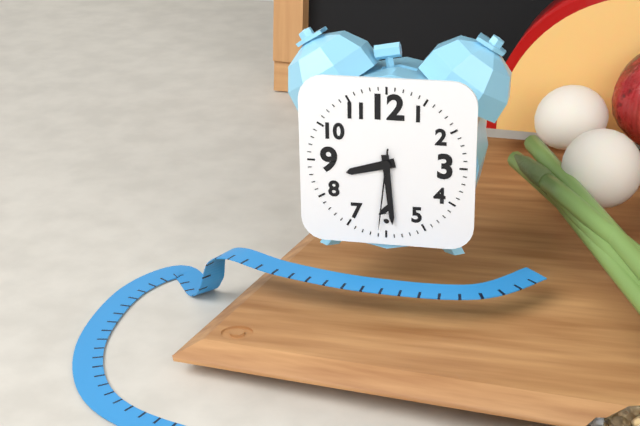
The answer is 8,29,31
